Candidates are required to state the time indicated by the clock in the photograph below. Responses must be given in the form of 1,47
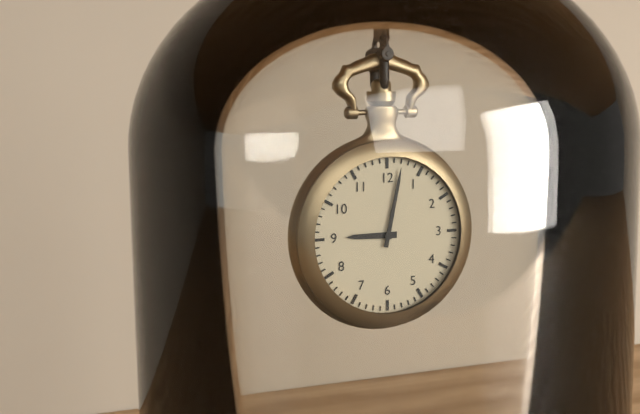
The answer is 9,02
